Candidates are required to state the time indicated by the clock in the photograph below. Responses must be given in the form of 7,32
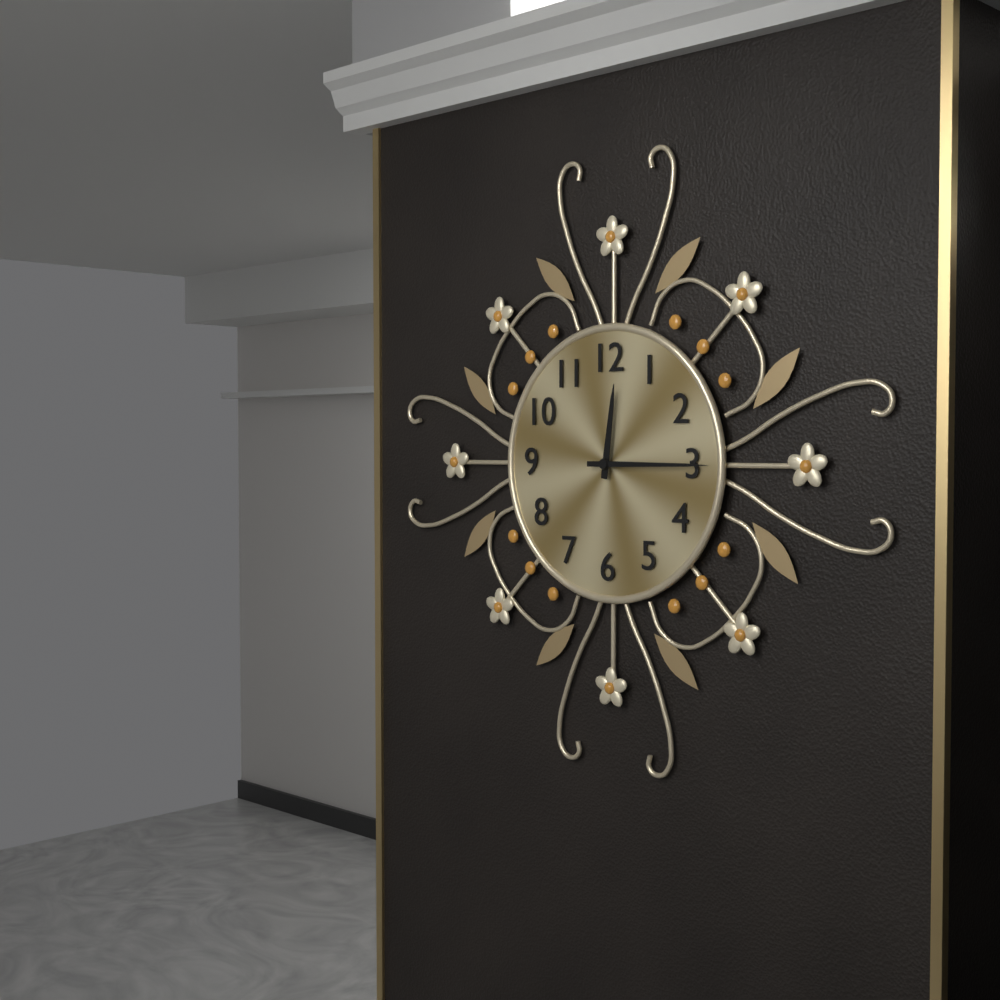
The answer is 12,15
